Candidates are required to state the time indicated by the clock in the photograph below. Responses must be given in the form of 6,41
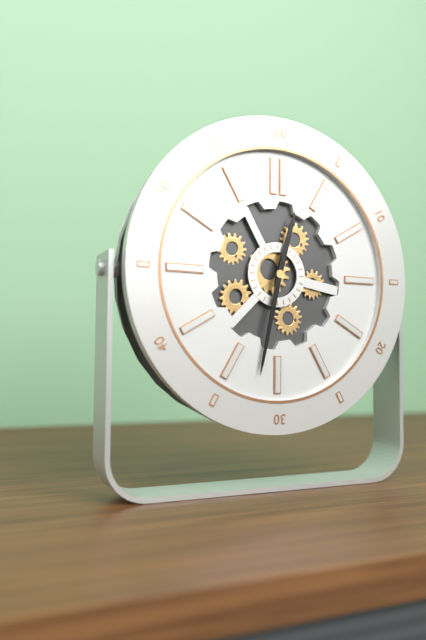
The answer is 12,32
